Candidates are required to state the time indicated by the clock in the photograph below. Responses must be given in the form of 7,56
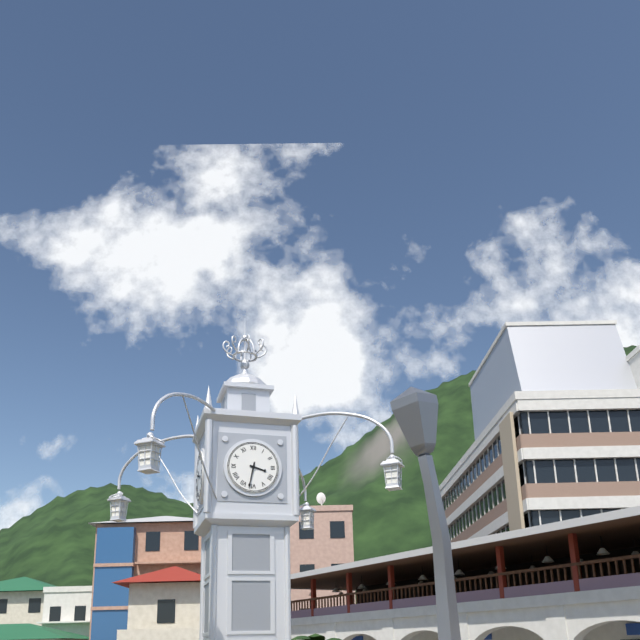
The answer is 3,32
